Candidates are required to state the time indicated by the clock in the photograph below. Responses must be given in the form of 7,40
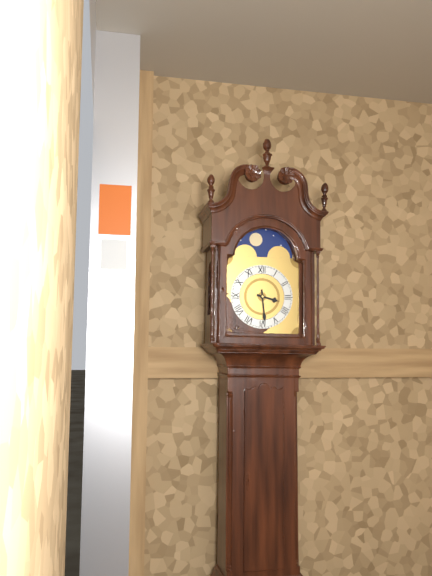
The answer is 3,29
